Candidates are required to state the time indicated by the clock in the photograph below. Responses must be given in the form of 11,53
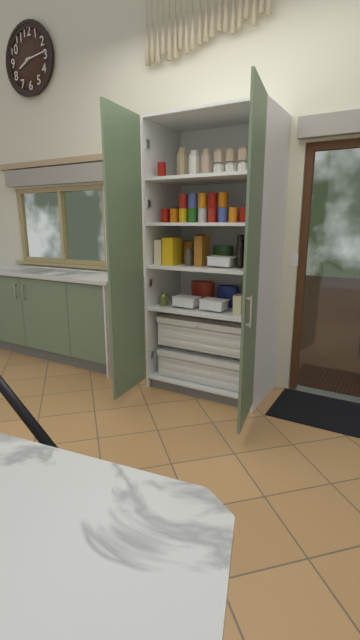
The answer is 8,14
